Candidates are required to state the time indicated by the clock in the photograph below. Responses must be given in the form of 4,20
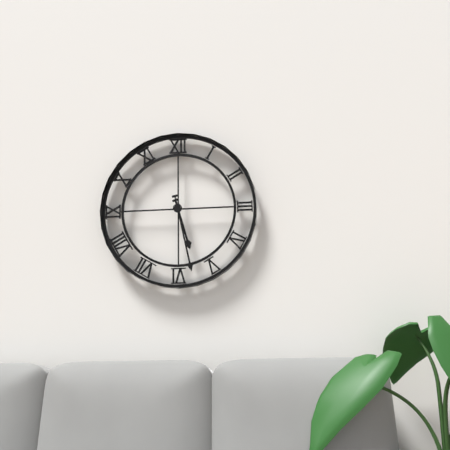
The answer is 5,28
